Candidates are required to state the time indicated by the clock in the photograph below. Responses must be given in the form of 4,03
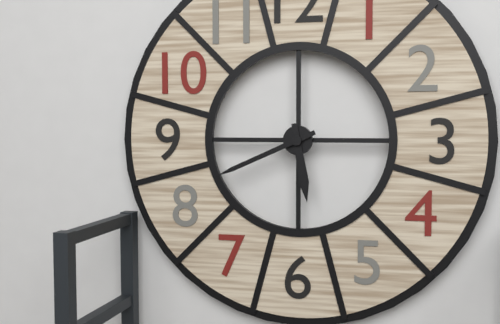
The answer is 5,41
